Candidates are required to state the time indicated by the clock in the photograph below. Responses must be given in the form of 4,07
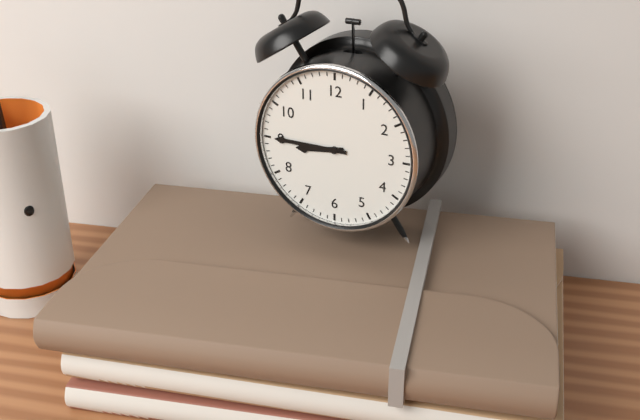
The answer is 8,45
